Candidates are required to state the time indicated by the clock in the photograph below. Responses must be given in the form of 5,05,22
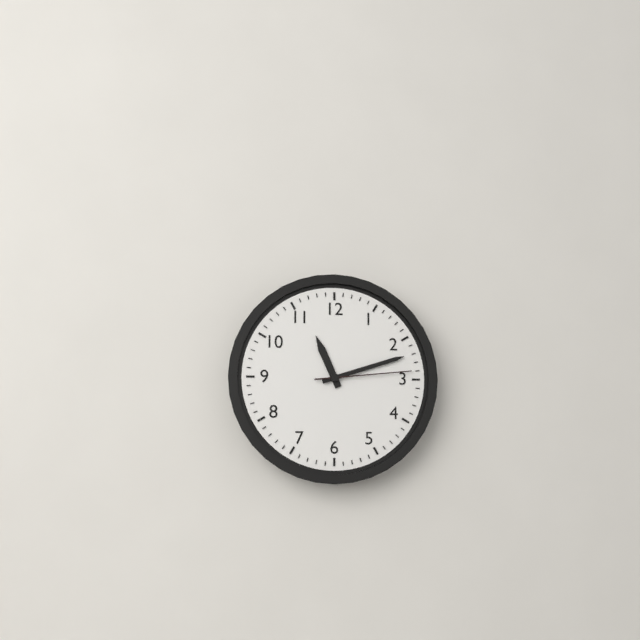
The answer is 11,12,14
